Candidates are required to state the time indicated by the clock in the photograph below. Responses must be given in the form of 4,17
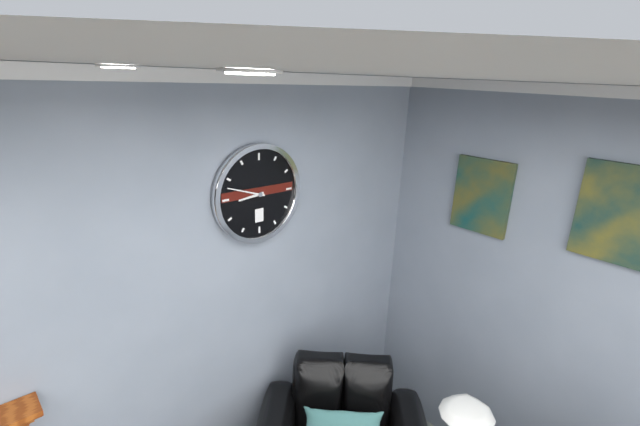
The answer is 8,48
